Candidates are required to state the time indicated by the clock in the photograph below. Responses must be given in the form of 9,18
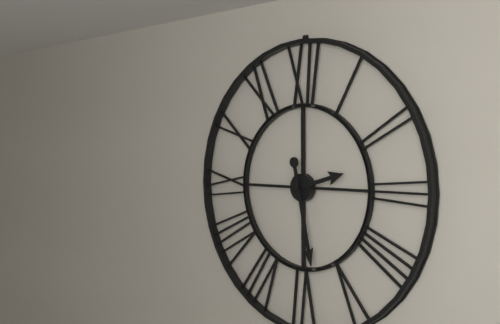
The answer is 2,28
